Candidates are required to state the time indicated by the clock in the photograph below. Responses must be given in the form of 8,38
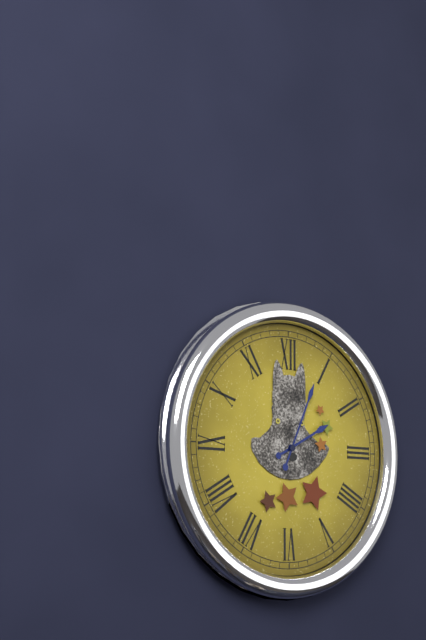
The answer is 2,04
